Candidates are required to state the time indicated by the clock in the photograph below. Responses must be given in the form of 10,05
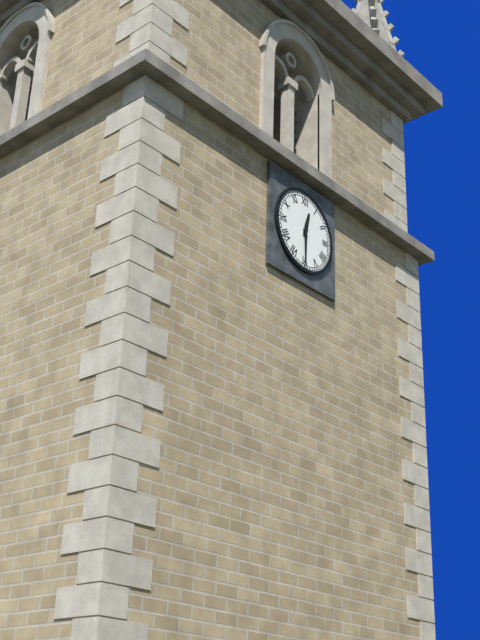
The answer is 12,30
